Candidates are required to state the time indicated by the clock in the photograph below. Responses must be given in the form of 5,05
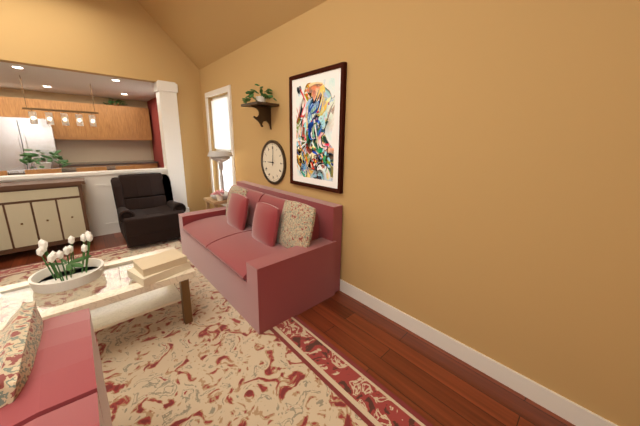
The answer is 9,01
